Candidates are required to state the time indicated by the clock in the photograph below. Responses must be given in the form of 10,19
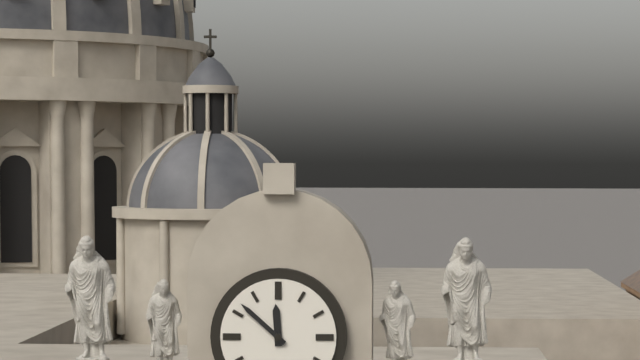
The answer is 11,52
